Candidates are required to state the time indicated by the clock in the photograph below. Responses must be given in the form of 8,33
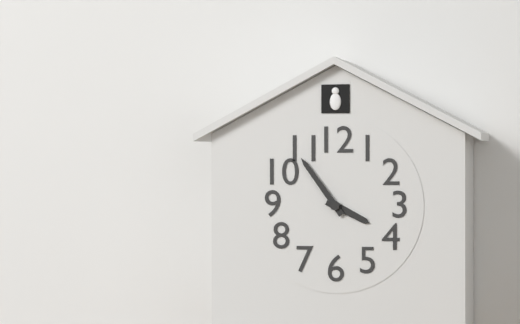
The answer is 3,54
